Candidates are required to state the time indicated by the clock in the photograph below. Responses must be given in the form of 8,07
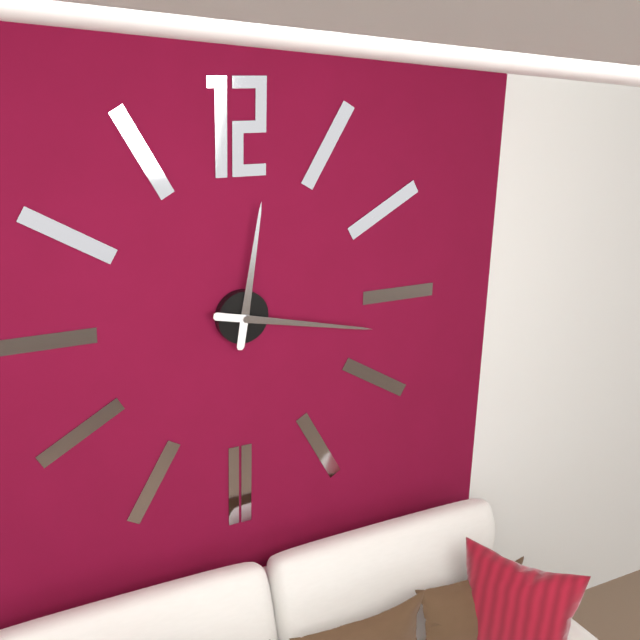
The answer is 12,17
